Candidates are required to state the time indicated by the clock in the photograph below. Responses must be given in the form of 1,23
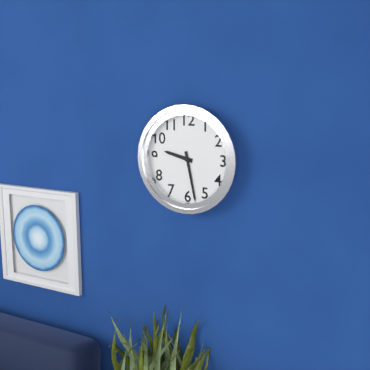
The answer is 9,28
